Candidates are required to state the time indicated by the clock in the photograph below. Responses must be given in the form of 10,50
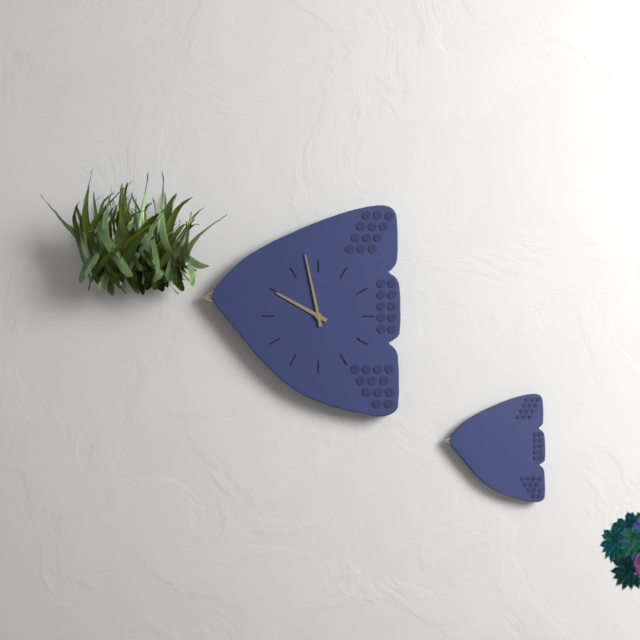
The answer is 9,58
